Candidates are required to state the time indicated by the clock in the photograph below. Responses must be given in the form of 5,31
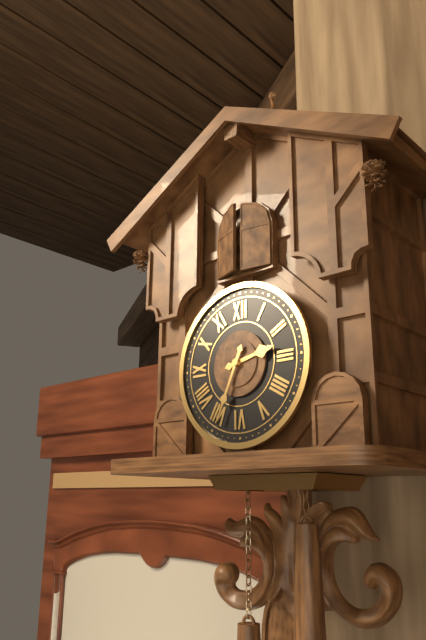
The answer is 2,34
